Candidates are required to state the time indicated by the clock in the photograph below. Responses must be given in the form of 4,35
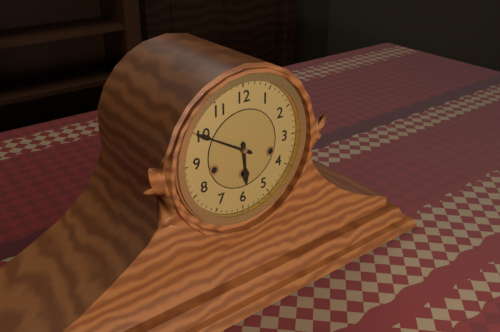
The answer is 5,50
